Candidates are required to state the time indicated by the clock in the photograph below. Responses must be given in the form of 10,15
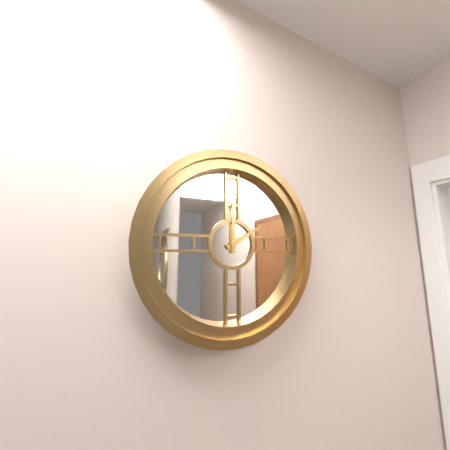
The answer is 2,00
